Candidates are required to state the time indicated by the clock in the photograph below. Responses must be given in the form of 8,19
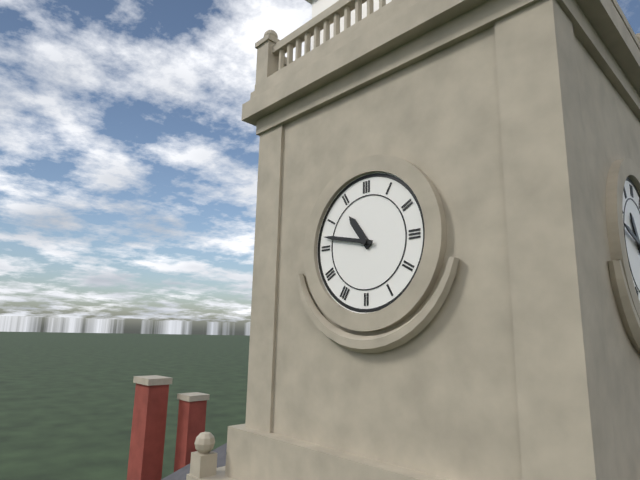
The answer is 10,47
